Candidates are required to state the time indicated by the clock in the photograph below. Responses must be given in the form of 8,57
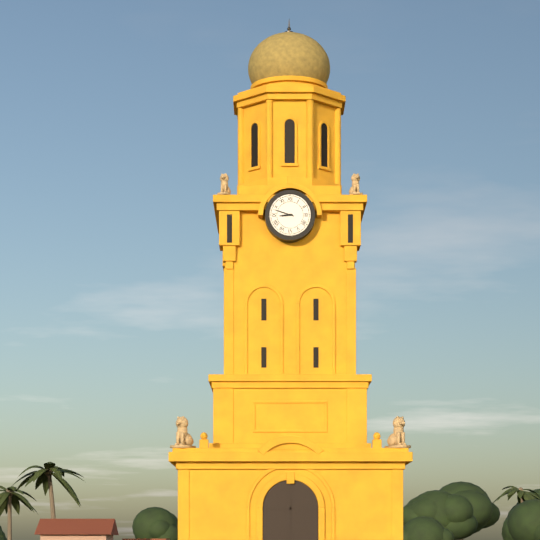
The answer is 8,48
